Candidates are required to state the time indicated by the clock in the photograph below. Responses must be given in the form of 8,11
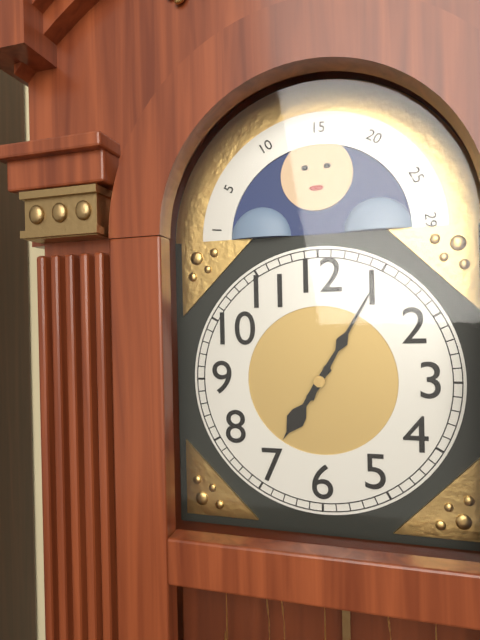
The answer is 7,05
